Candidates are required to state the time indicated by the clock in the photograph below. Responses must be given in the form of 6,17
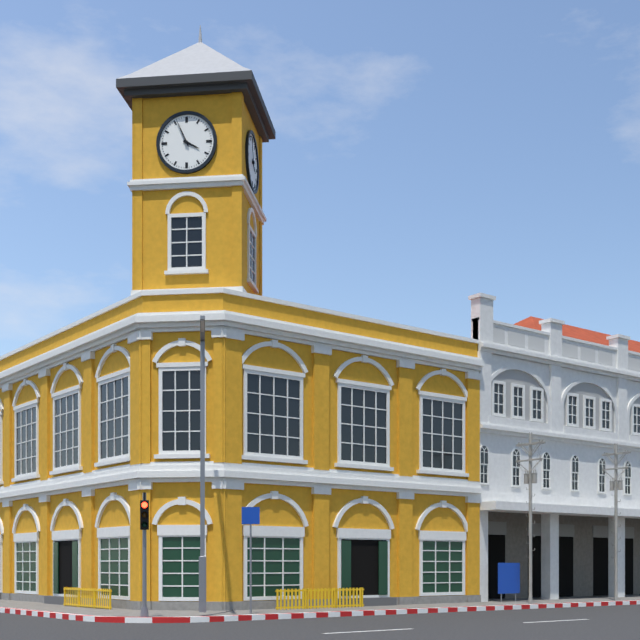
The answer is 3,56
